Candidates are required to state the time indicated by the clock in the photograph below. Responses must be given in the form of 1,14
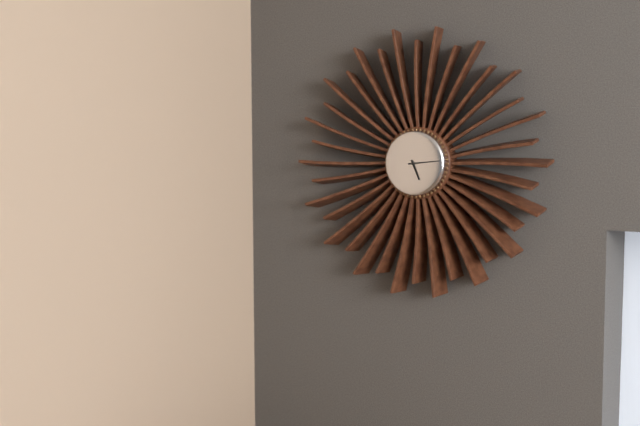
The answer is 5,14
